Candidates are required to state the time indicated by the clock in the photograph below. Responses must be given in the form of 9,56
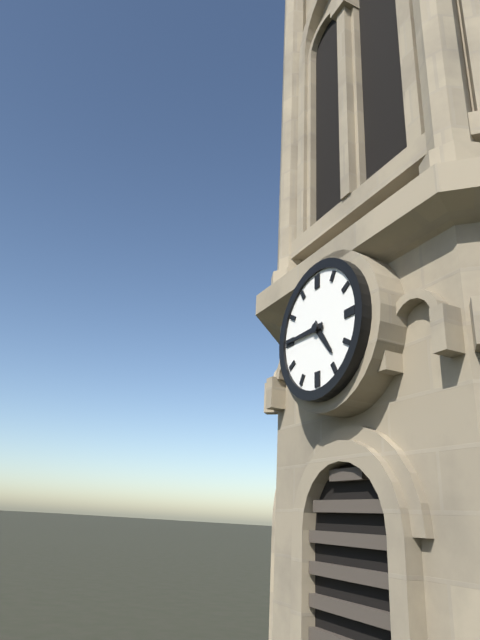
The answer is 4,45
